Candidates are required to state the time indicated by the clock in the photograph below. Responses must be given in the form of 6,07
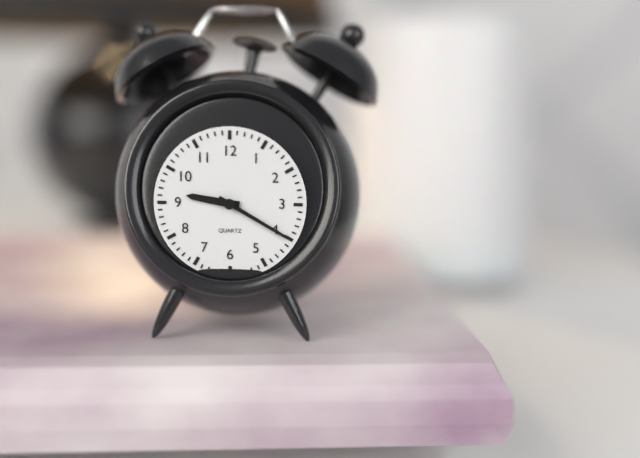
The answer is 9,20
